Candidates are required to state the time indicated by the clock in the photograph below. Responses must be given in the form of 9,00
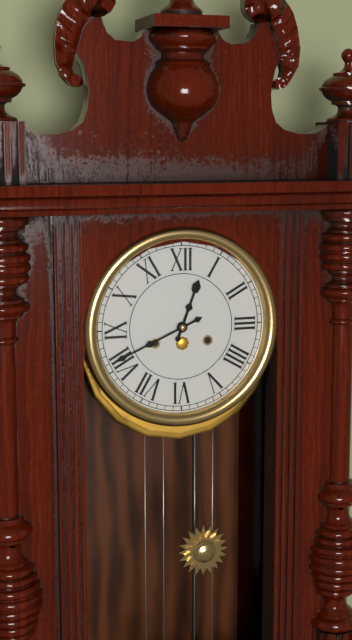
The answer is 12,41
